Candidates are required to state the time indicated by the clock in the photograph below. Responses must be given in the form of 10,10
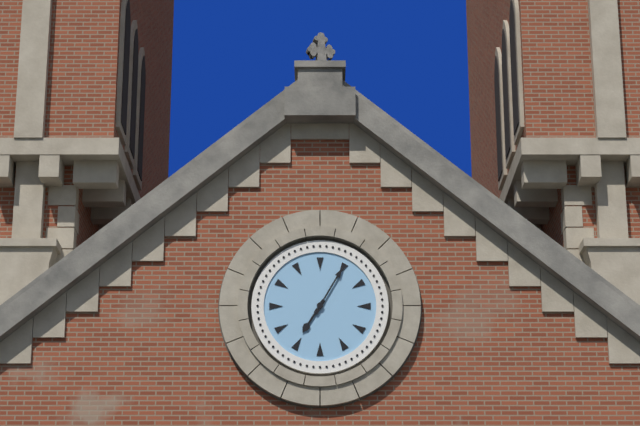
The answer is 7,05
